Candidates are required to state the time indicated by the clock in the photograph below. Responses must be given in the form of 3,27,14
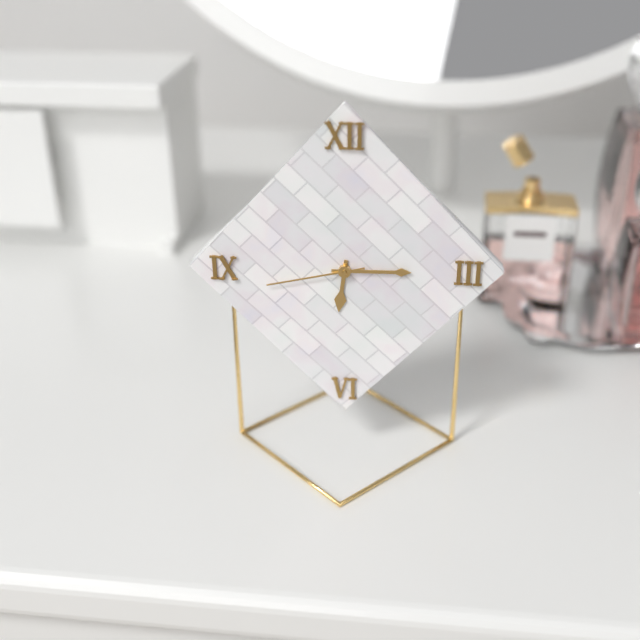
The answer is 6,15,43
